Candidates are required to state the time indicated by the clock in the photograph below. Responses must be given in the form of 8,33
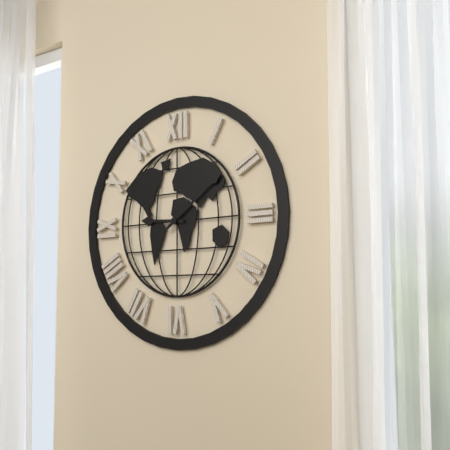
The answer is 9,09
